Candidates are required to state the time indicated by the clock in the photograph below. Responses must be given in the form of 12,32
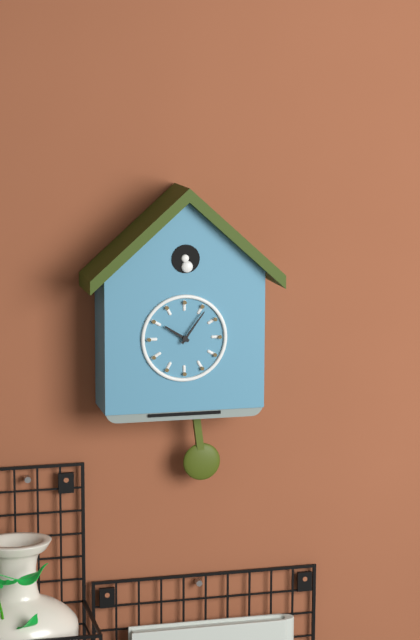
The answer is 10,06
